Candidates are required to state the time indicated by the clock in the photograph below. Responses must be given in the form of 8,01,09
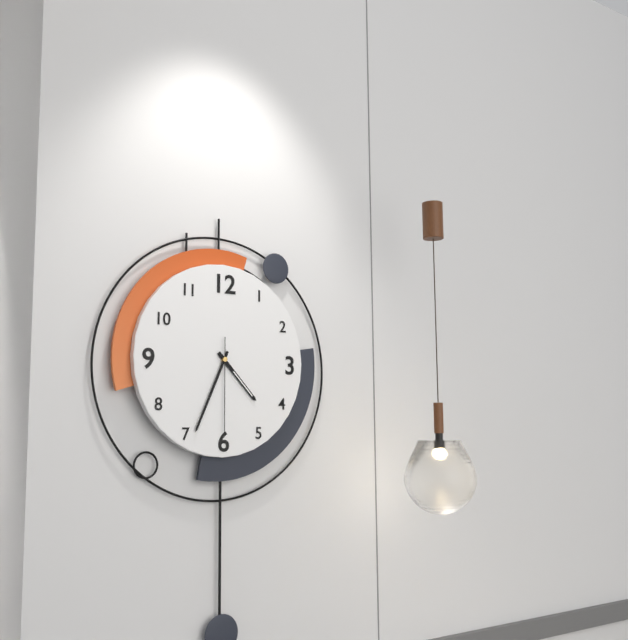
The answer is 4,34,30
